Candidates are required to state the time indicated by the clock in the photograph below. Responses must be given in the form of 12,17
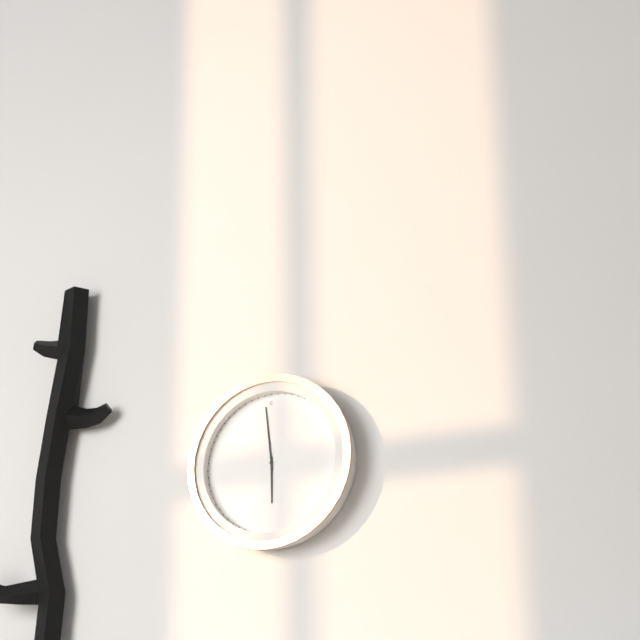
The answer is 5,59
